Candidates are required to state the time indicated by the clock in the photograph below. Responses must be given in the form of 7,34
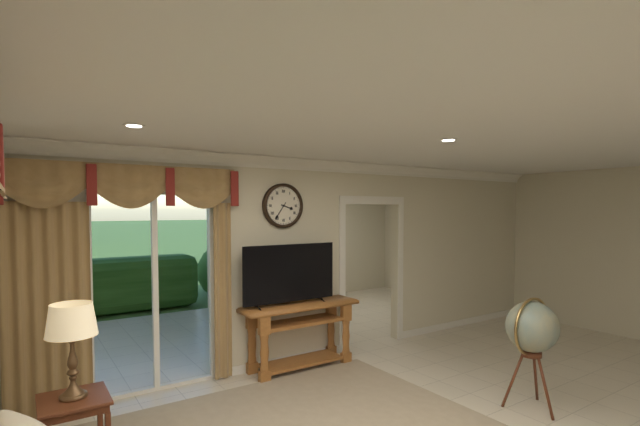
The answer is 3,36
